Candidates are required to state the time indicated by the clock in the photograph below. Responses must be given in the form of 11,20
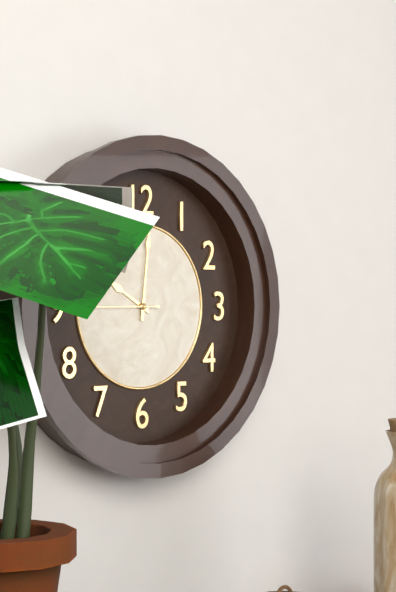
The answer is 10,01
